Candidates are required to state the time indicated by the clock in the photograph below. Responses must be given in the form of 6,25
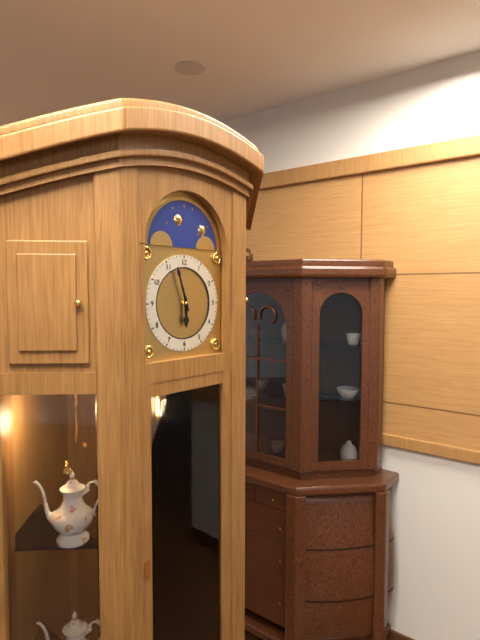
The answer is 5,57
